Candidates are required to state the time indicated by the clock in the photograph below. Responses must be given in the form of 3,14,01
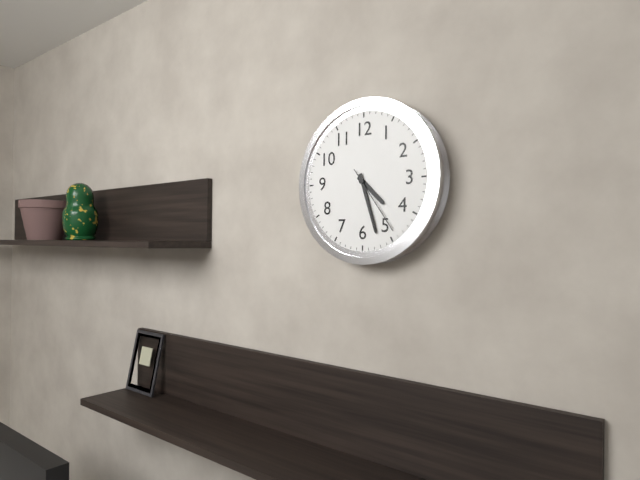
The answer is 4,27,24
